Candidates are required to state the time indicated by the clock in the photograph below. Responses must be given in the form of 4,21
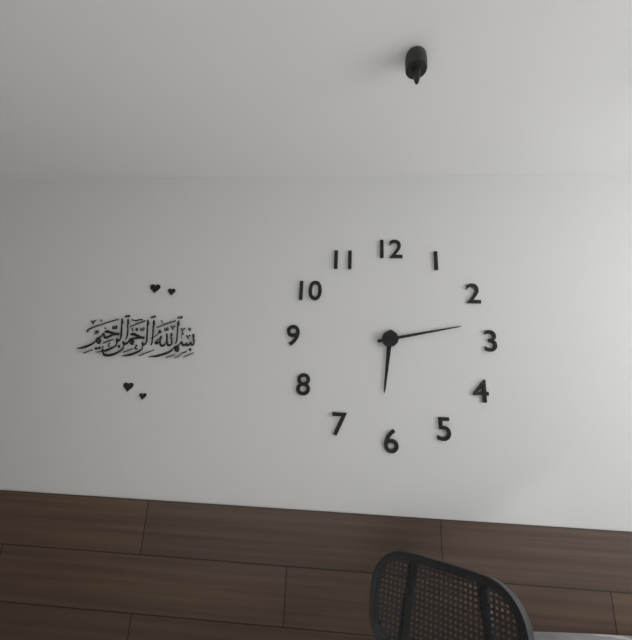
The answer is 6,13
